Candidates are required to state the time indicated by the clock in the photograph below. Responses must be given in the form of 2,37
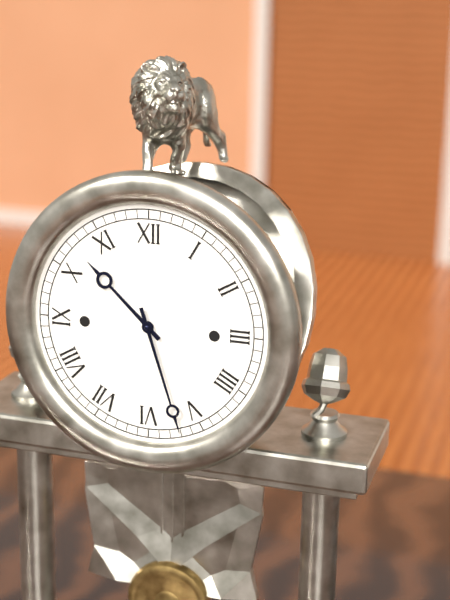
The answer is 10,27
